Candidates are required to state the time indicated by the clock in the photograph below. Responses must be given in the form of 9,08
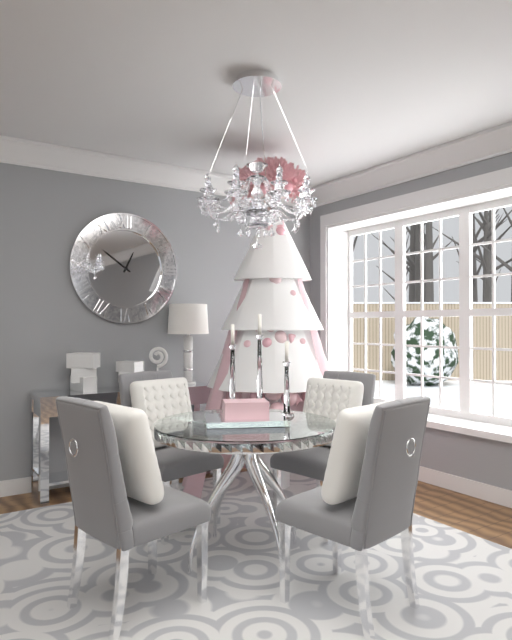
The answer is 12,51
